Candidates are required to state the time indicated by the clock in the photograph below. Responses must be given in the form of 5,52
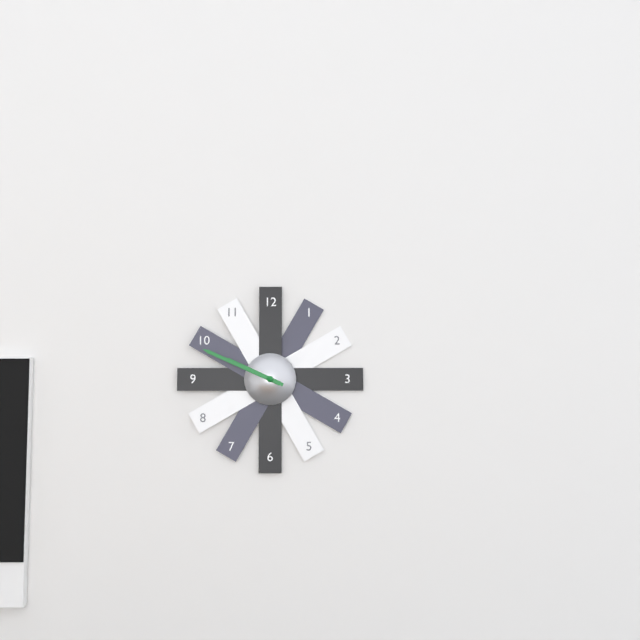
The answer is 9,49
